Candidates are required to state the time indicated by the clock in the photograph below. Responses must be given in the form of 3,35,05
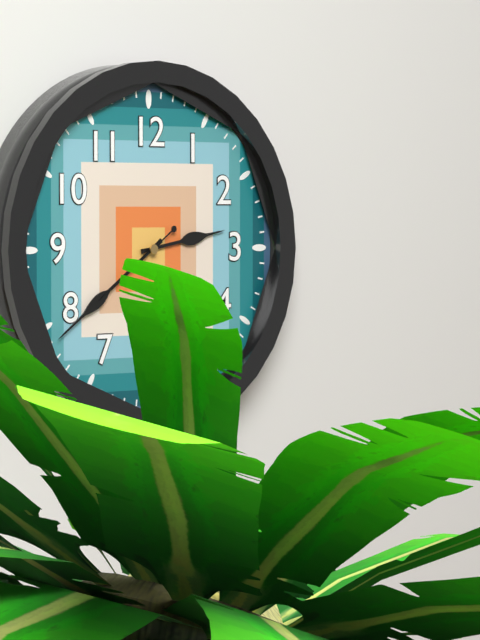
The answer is 2,39,39
